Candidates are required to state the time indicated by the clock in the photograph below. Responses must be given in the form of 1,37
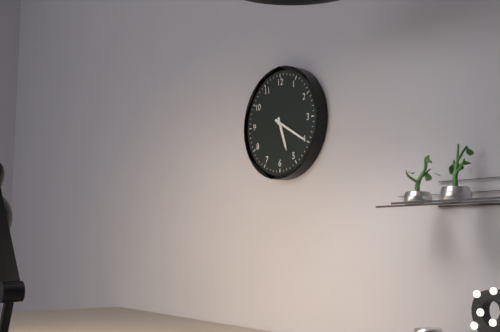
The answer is 5,20
